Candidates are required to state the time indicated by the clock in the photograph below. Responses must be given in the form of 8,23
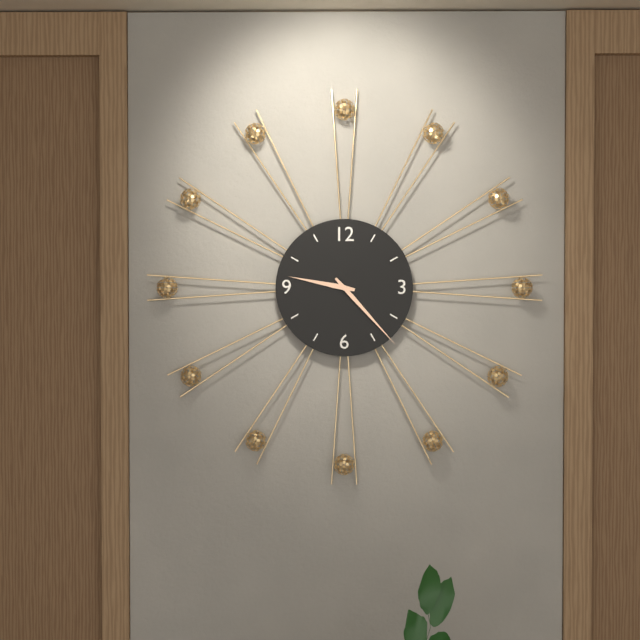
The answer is 9,23
